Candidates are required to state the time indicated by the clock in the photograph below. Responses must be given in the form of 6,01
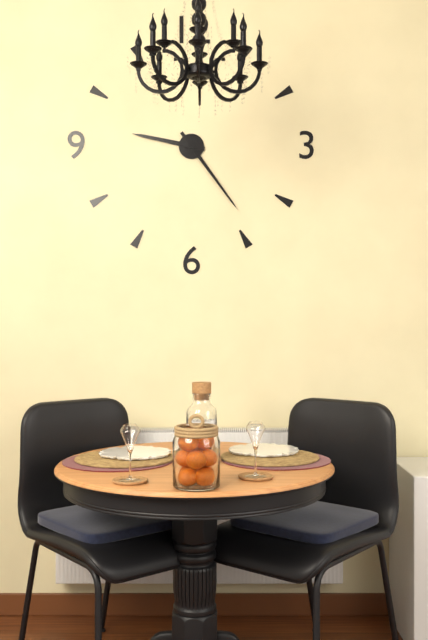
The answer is 9,24
